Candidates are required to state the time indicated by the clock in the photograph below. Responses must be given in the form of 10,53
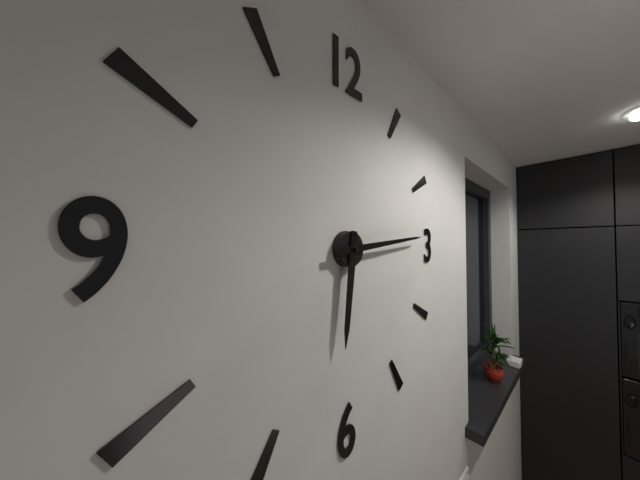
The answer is 6,14
